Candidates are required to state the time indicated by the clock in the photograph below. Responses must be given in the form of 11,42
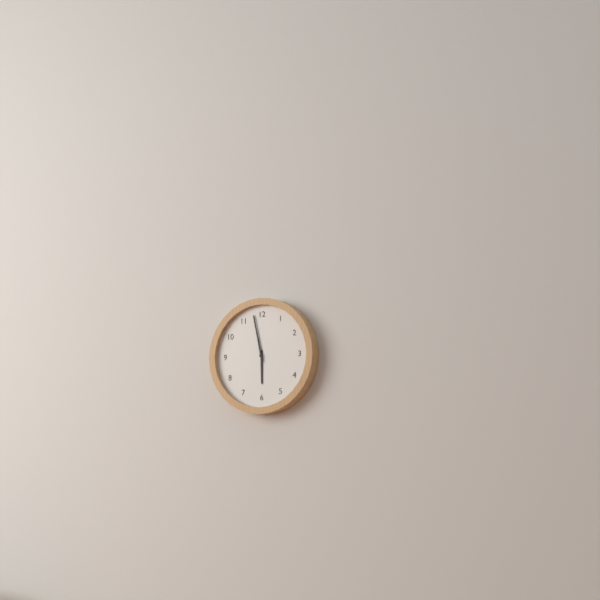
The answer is 5,58
